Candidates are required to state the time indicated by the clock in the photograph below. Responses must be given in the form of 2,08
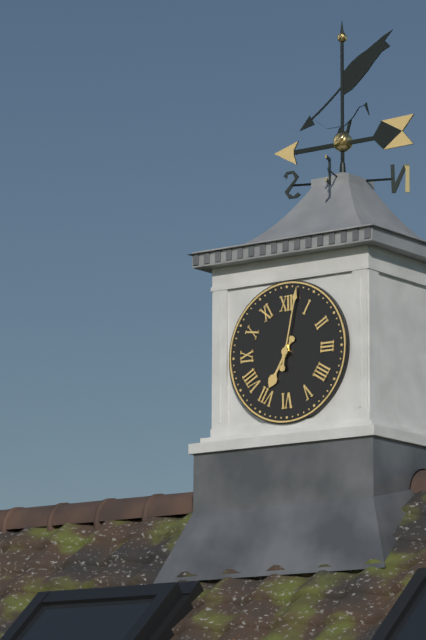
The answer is 7,02
